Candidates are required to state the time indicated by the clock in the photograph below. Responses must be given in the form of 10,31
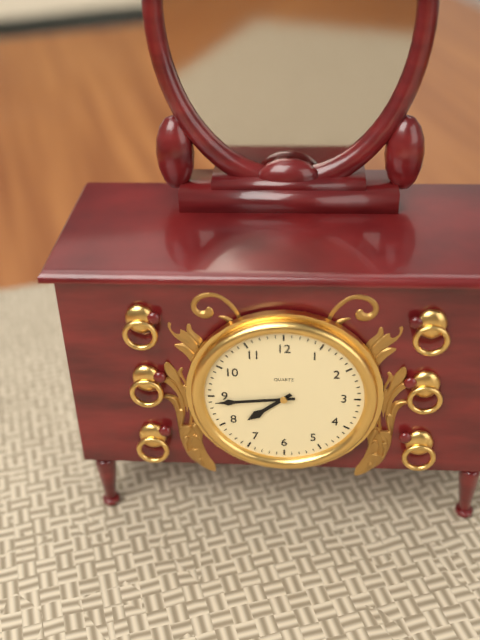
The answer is 7,44
